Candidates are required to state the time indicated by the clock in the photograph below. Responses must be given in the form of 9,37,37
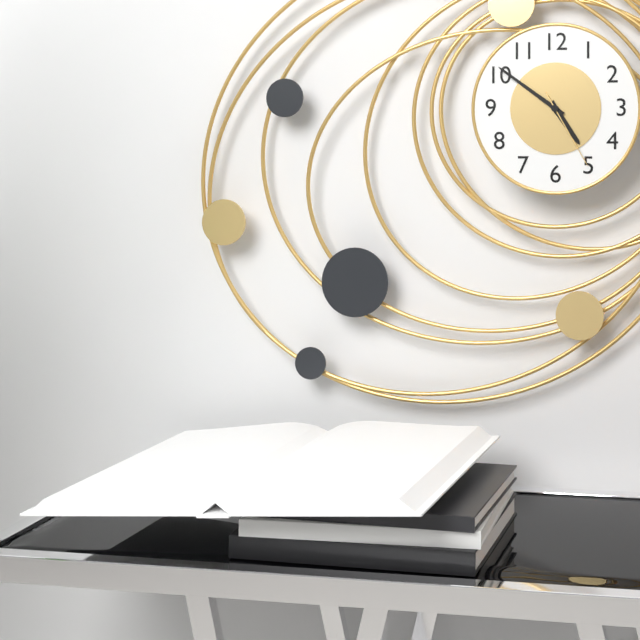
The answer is 4,51,25
